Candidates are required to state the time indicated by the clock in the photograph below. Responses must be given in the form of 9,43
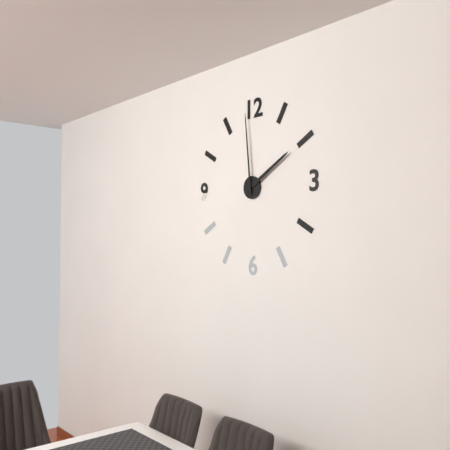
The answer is 1,59
